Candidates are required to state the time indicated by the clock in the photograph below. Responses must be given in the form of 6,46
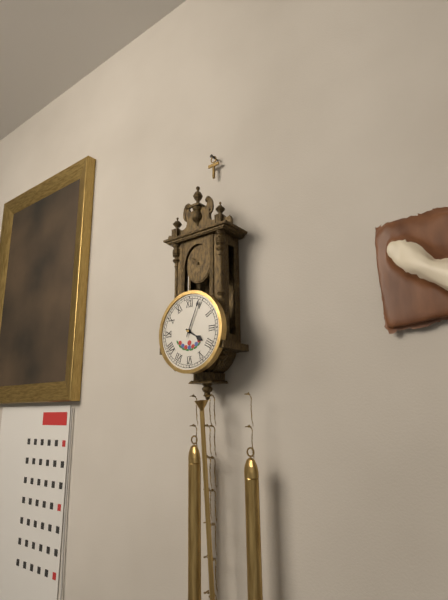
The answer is 4,04
